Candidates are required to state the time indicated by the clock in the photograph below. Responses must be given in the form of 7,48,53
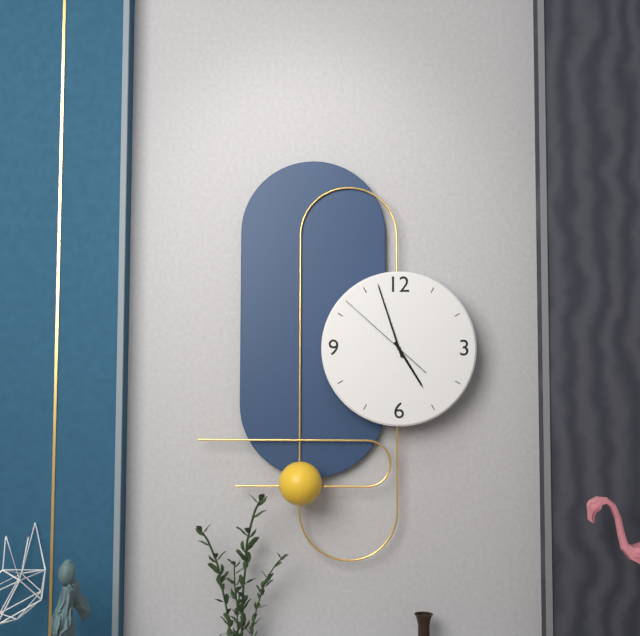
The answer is 4,57,52
